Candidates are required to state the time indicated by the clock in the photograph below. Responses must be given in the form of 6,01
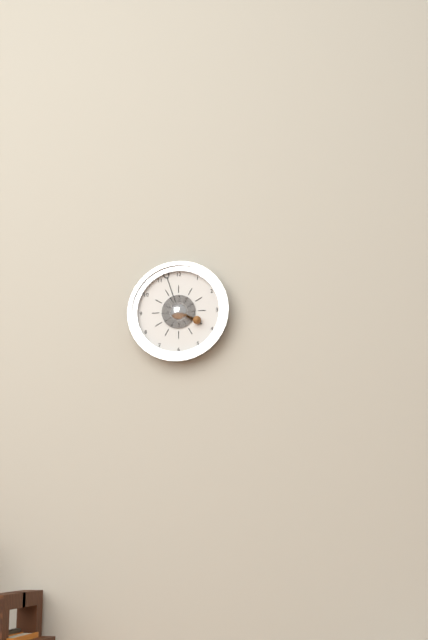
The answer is 3,57
